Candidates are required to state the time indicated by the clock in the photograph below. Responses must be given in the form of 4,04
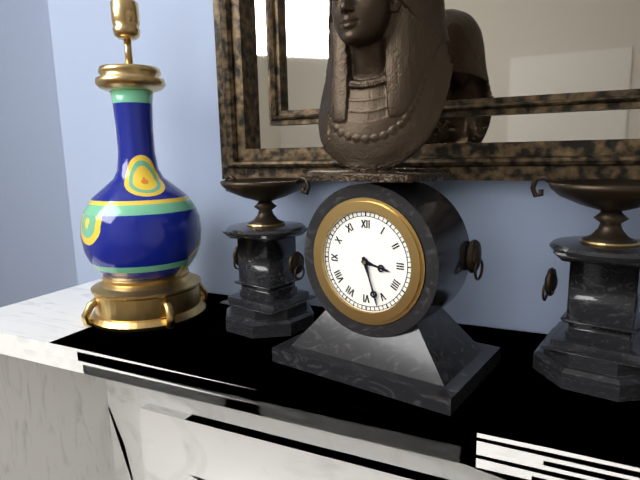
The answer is 3,27
